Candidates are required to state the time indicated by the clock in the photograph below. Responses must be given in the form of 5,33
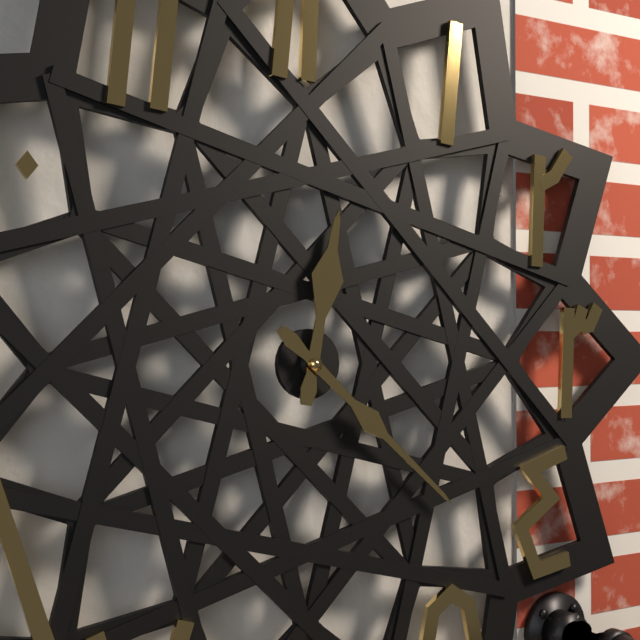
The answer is 12,22
